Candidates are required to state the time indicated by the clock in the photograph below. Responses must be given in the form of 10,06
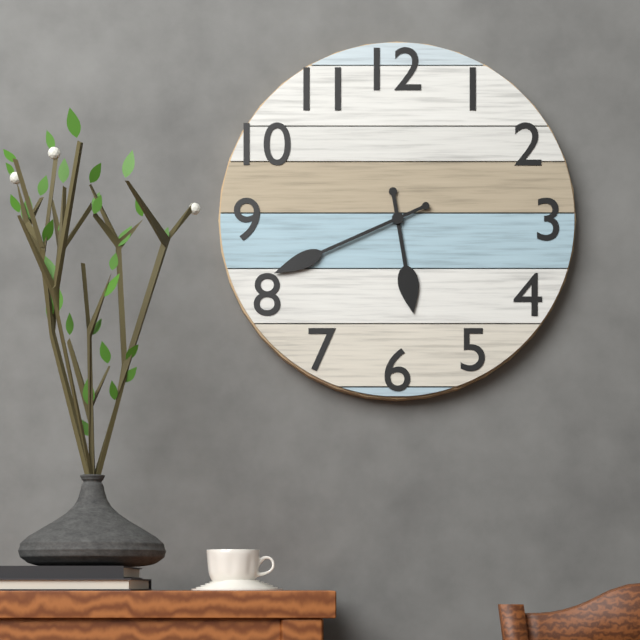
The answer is 5,41
